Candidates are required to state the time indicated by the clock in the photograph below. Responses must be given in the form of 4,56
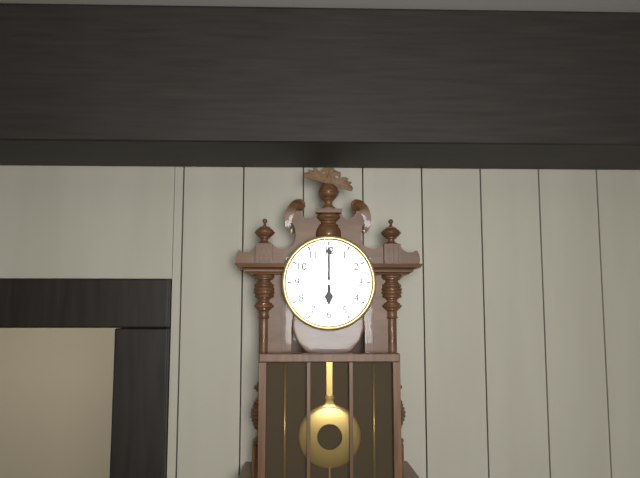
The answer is 6,00
